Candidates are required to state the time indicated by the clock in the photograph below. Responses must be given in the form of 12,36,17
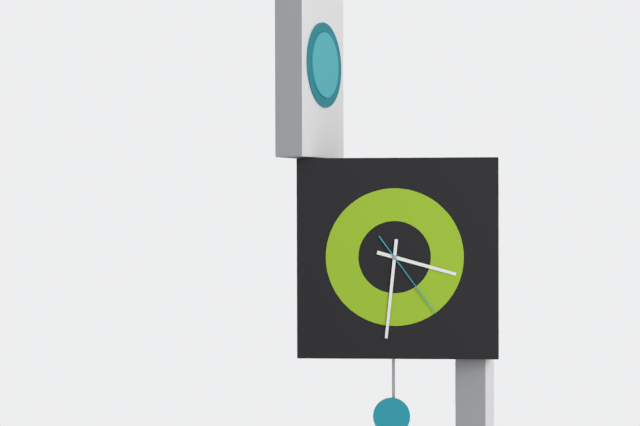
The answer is 3,31,24
